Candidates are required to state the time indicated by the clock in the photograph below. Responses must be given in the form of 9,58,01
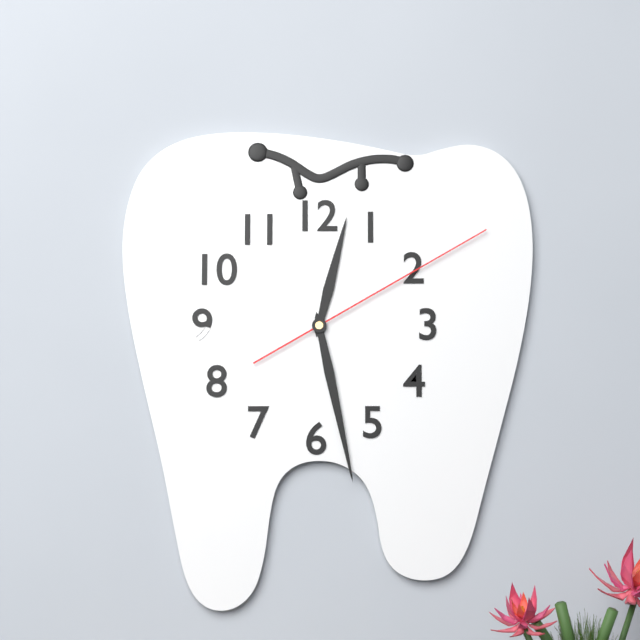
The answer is 12,28,10
